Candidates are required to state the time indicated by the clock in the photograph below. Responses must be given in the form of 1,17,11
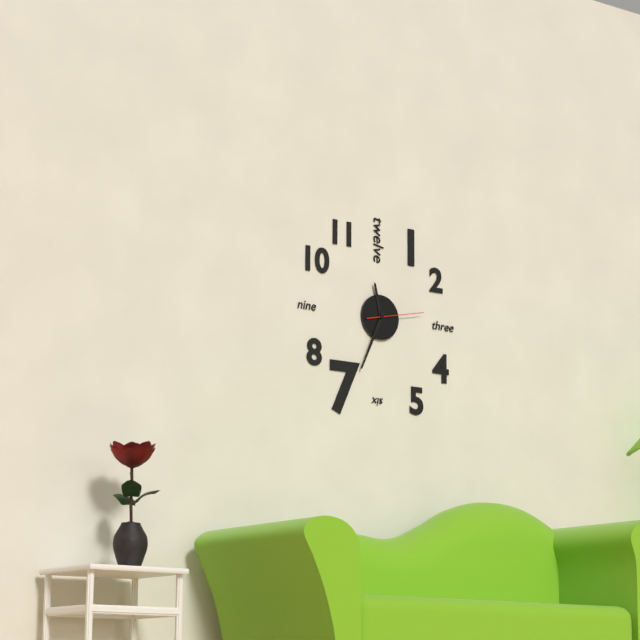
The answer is 11,34,13
